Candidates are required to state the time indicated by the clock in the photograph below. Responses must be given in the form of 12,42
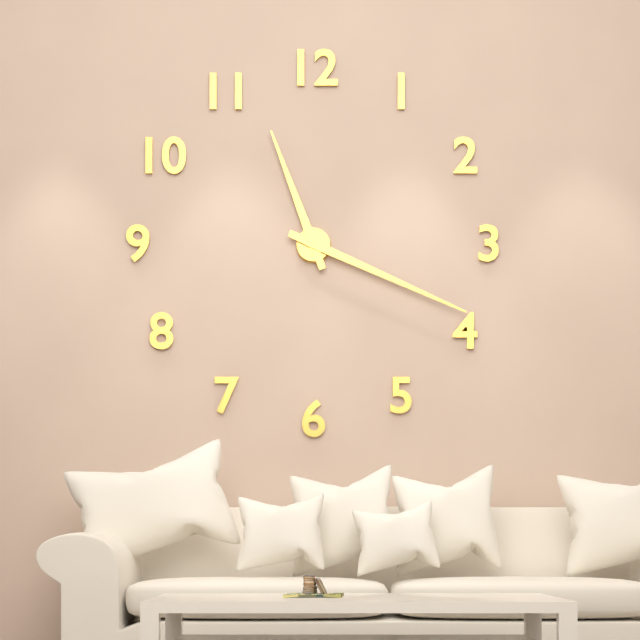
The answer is 11,19
